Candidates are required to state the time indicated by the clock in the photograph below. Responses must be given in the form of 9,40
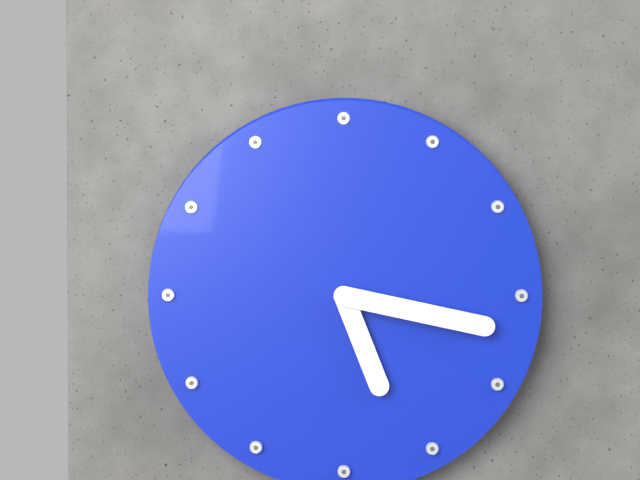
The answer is 5,17
